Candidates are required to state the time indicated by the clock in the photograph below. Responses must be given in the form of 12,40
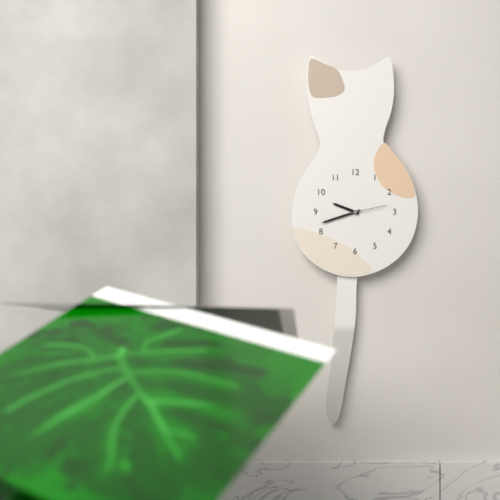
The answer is 9,42
